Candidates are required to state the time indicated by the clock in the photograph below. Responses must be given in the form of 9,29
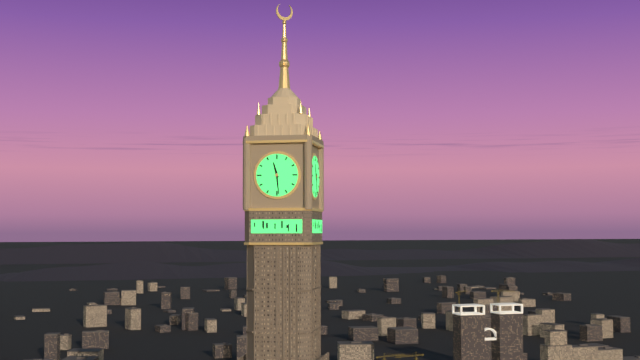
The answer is 11,29
